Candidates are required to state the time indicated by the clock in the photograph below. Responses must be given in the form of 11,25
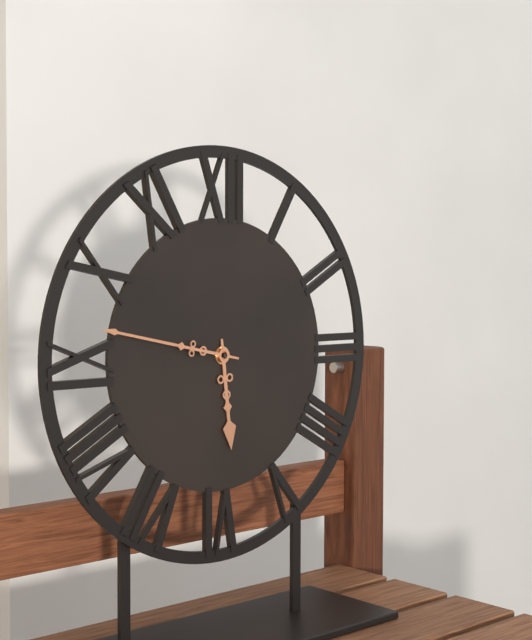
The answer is 5,47
